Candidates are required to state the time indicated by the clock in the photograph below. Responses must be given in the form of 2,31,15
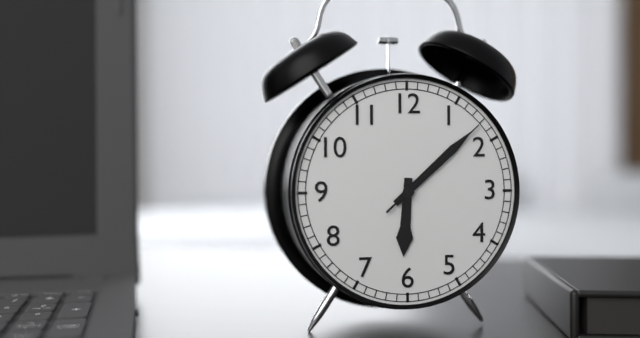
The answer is 6,08,08
